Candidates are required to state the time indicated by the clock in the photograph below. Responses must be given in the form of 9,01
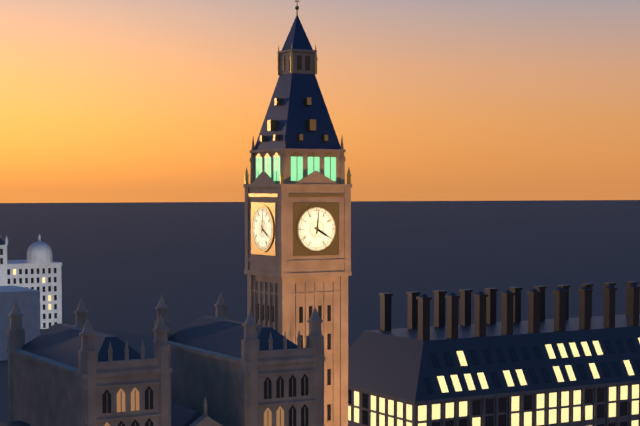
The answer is 4,01
